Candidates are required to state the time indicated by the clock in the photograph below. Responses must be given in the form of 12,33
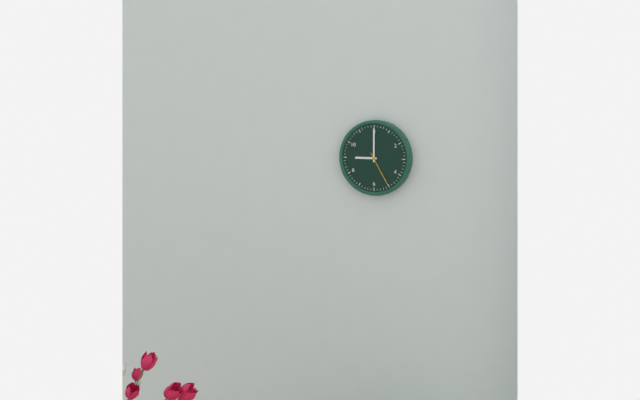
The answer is 9,00
